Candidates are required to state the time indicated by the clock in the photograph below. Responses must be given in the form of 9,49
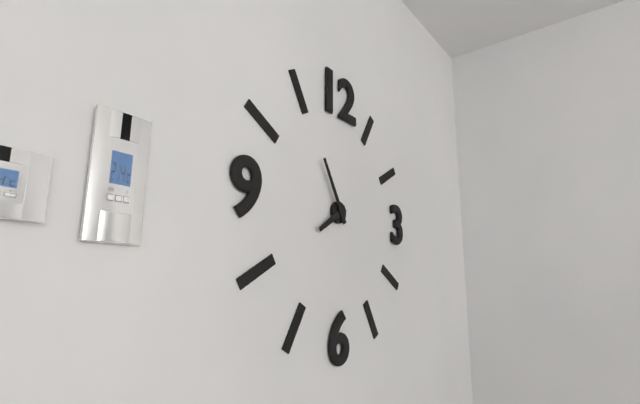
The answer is 7,55
